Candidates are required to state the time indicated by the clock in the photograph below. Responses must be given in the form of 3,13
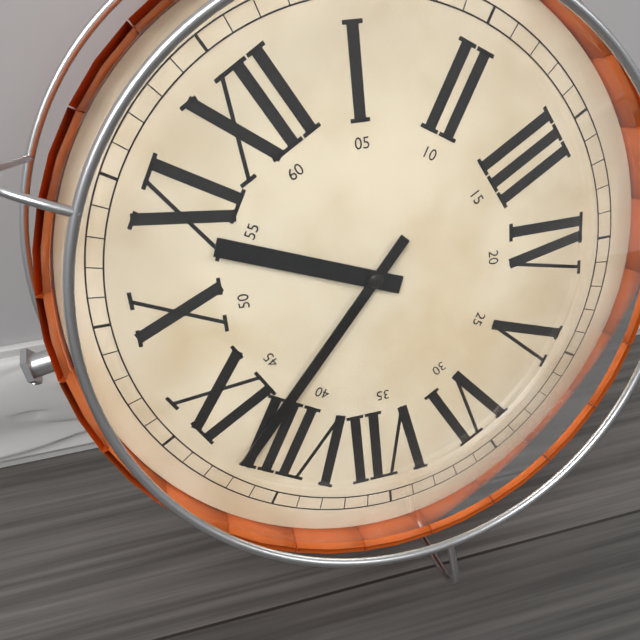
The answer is 10,42
